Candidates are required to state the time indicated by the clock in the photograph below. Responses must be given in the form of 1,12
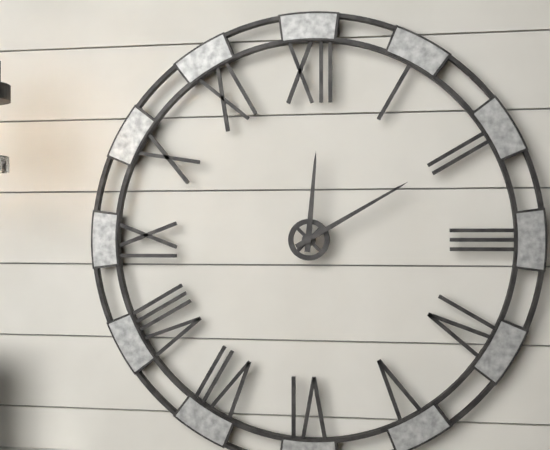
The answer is 12,10
